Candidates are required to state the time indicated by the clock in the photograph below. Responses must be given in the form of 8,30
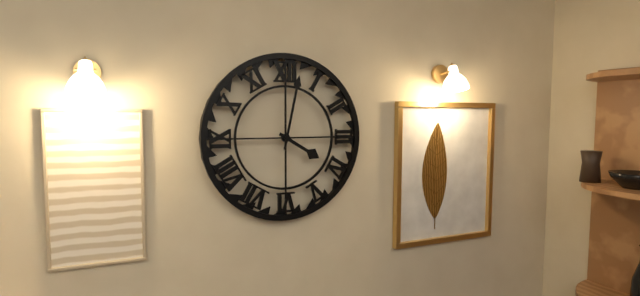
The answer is 4,02
